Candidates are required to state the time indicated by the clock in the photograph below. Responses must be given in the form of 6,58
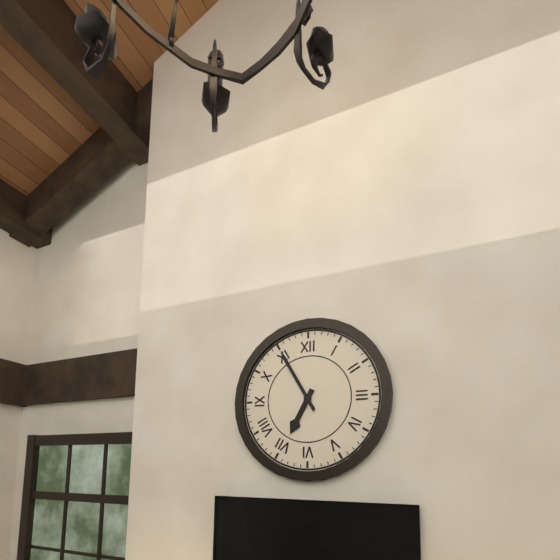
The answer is 6,55
